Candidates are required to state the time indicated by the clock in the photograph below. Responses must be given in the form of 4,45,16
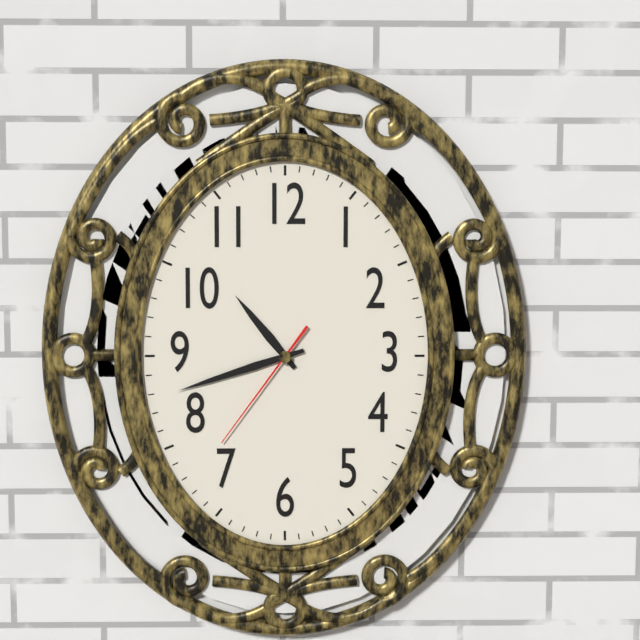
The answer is 10,42,36
